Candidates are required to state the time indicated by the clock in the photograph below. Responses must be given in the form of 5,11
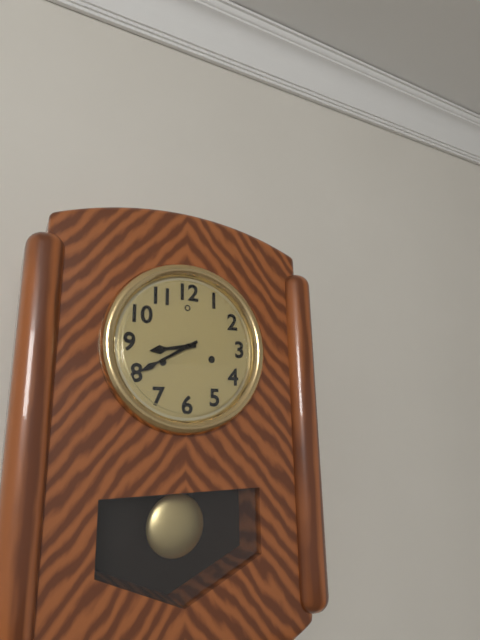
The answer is 8,40
